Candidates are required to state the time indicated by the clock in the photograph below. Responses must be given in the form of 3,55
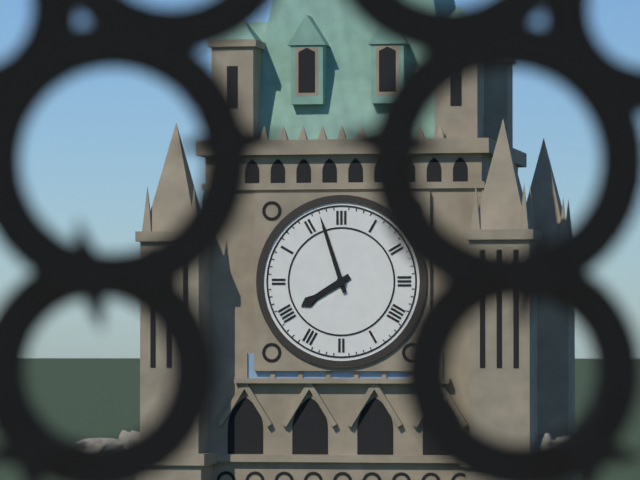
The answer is 7,57
